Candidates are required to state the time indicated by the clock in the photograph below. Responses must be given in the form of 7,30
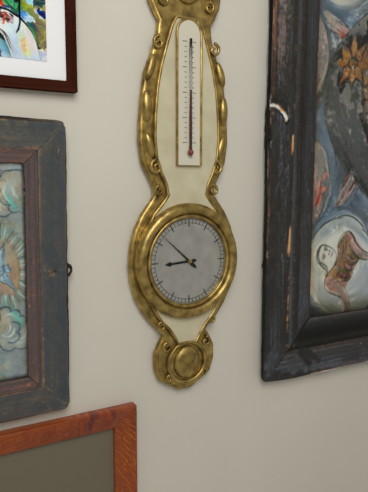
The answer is 8,52
